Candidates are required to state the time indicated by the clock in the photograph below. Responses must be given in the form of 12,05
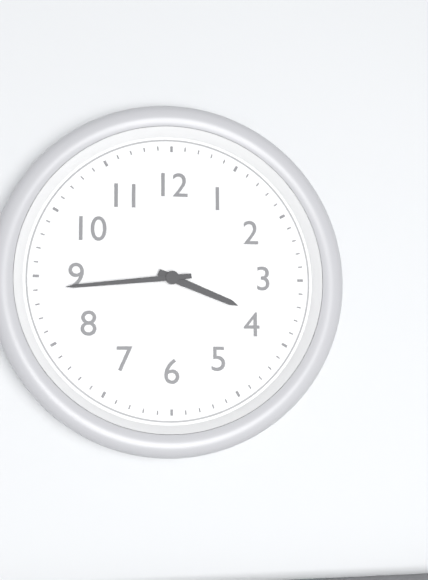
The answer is 3,44
